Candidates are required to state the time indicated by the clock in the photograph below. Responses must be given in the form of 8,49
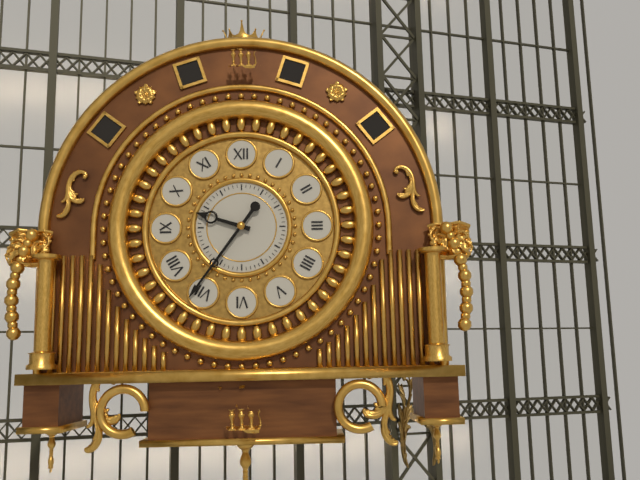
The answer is 9,36
